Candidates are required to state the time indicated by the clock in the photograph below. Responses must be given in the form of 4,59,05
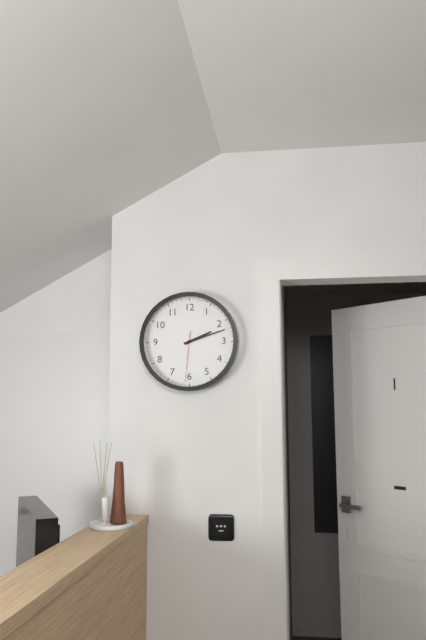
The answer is 2,12,31
